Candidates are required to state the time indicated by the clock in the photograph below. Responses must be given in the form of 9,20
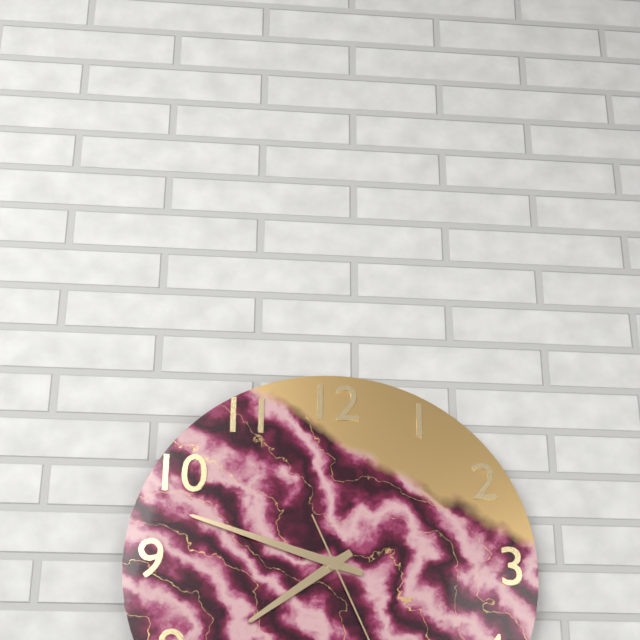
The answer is 7,48
